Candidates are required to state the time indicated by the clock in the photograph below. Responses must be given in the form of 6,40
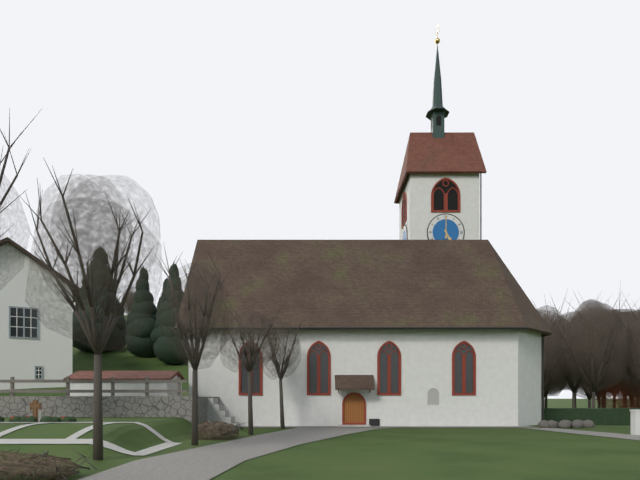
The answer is 5,00
